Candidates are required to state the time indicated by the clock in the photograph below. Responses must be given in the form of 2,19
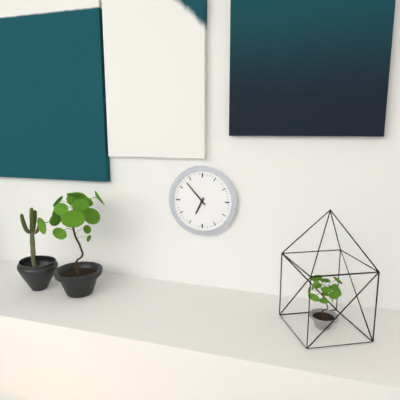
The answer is 6,53
